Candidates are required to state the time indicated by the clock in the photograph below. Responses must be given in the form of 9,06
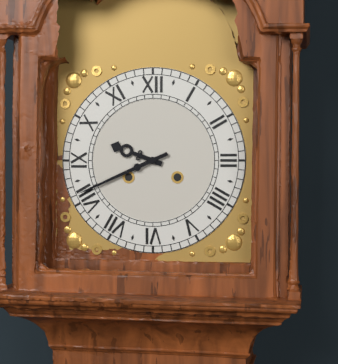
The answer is 9,41
